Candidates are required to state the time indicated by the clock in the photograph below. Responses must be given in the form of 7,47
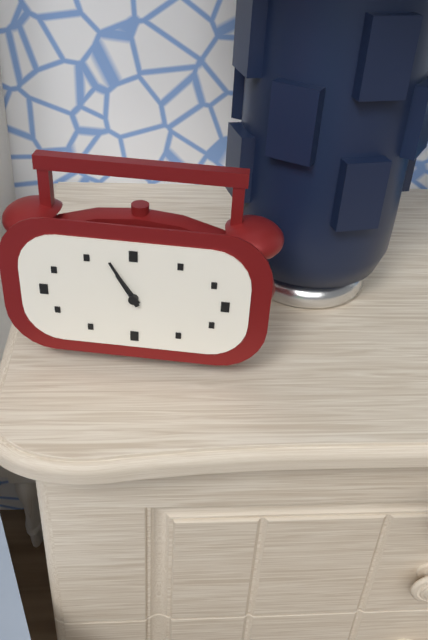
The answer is 10,55
